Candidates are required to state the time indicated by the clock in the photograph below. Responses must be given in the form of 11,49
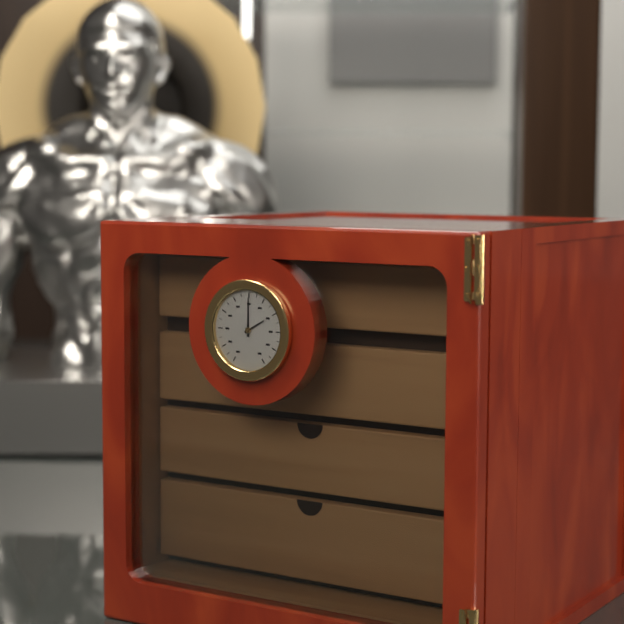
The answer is 2,00
